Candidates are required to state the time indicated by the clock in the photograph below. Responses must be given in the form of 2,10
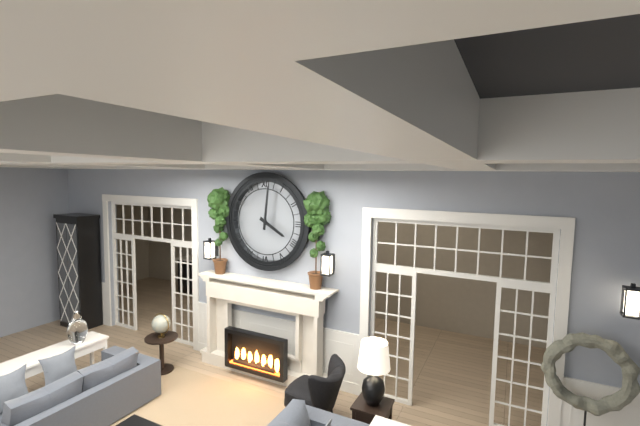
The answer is 4,01
